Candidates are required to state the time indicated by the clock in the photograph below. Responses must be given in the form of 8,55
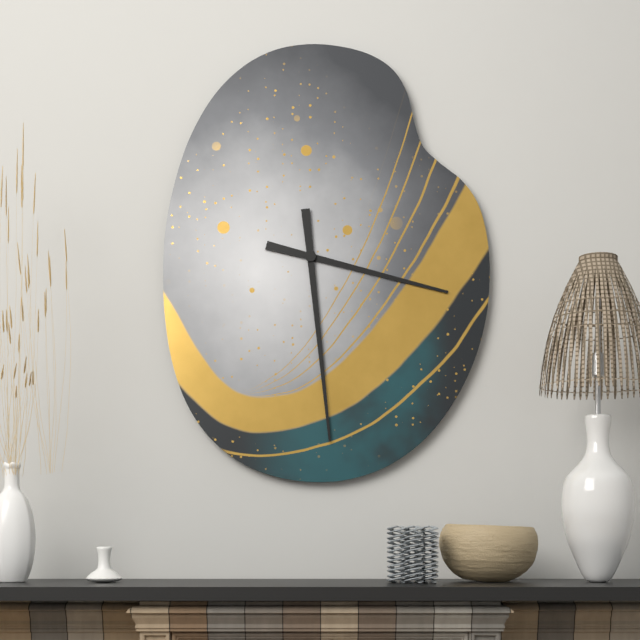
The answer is 3,29
